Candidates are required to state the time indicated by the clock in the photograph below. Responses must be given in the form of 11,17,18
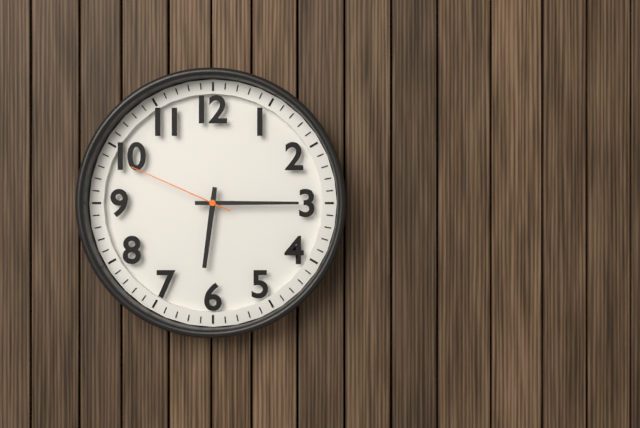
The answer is 6,15,49
